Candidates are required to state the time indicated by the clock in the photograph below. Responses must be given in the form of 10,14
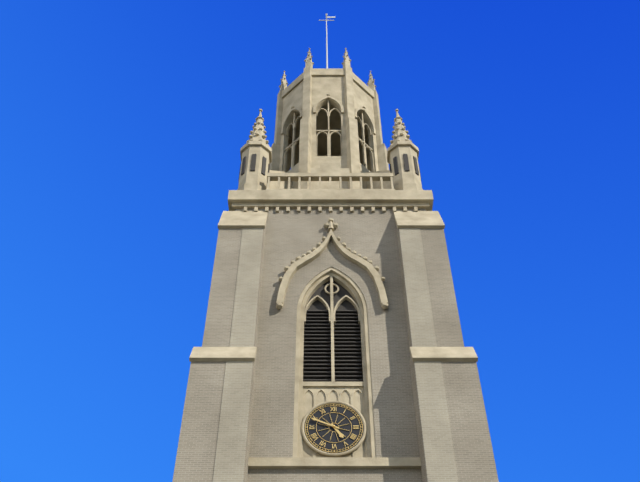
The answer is 4,49
